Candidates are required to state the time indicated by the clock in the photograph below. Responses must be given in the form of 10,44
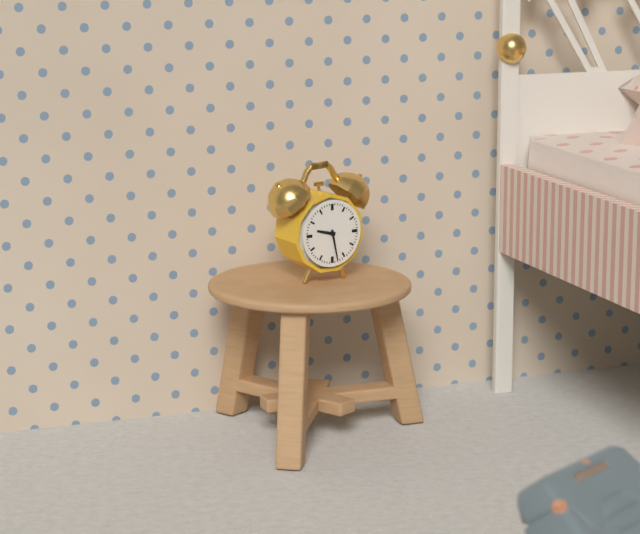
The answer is 9,28
